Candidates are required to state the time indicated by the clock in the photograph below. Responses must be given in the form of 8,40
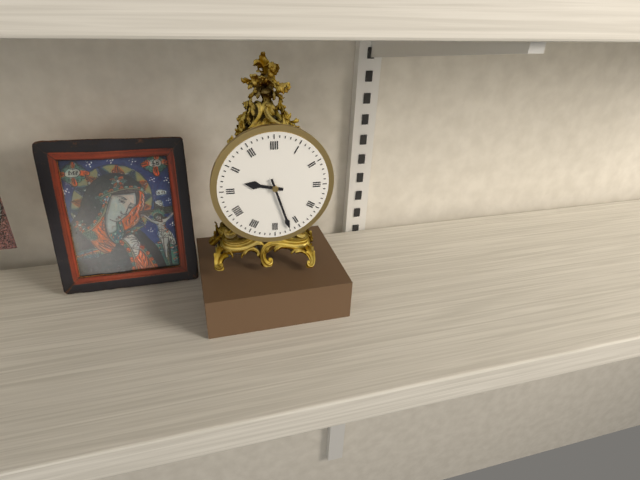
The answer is 9,27
